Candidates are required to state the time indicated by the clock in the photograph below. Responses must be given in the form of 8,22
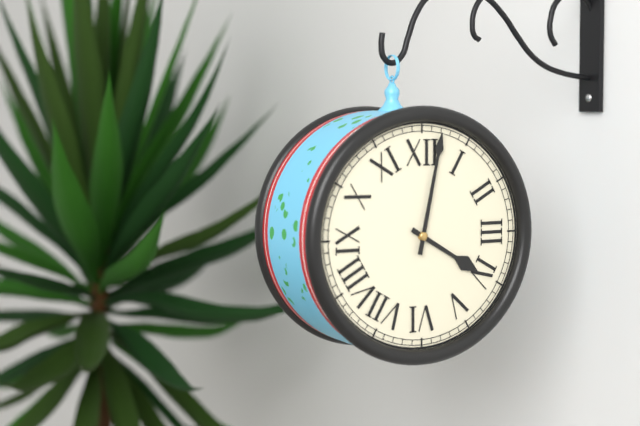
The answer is 4,02
